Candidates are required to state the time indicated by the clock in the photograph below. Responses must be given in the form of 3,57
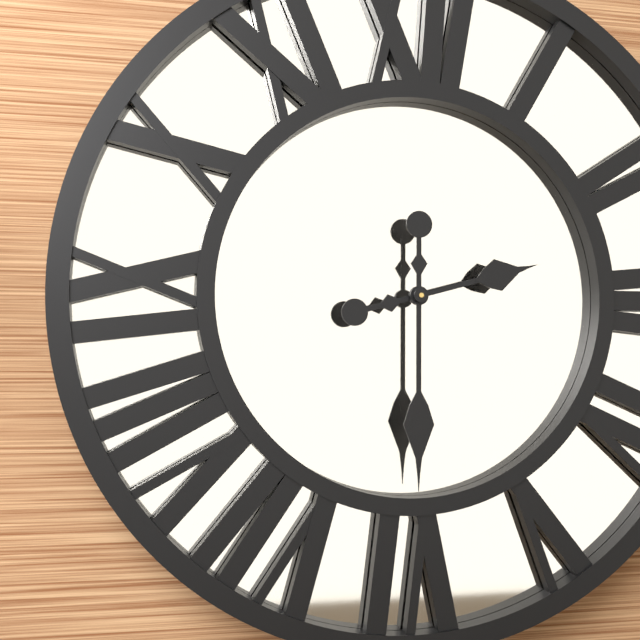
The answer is 2,30
